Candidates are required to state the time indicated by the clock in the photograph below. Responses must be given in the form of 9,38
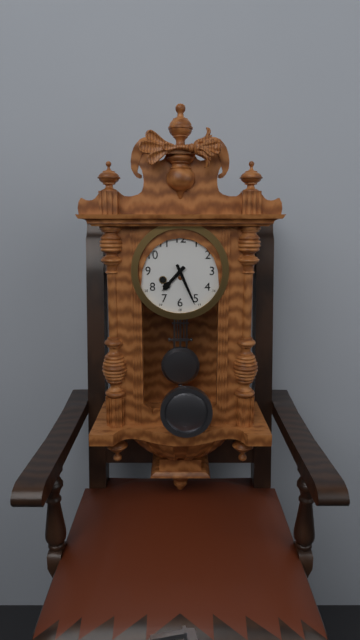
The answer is 7,26
